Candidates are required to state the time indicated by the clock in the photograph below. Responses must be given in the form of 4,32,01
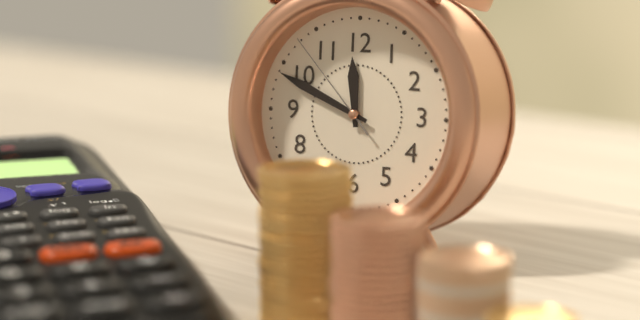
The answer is 11,49,53
